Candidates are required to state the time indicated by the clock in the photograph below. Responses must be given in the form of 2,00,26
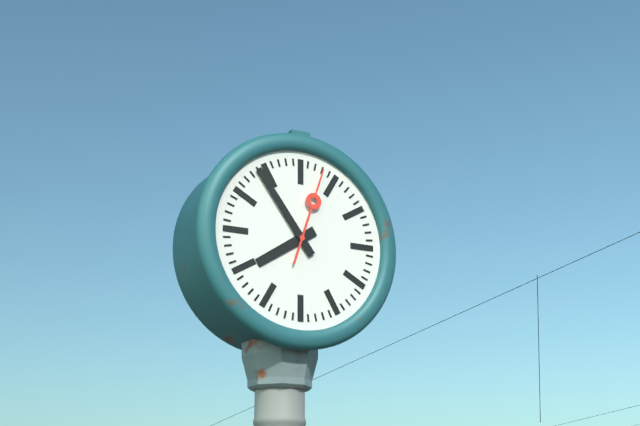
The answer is 7,54,03
